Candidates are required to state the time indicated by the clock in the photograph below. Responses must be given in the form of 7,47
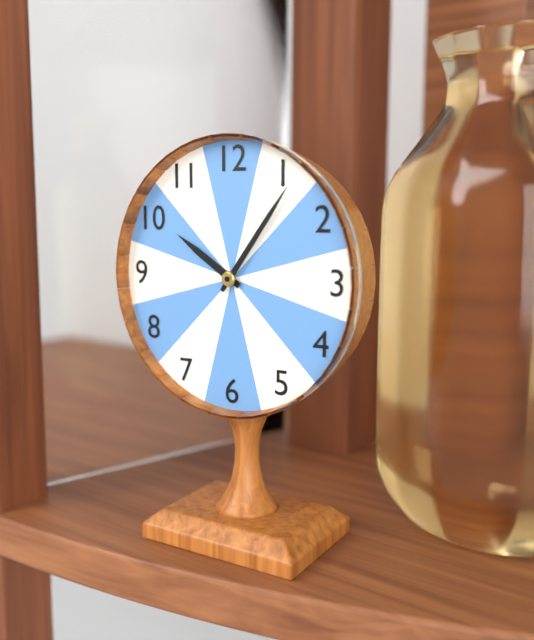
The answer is 10,06
